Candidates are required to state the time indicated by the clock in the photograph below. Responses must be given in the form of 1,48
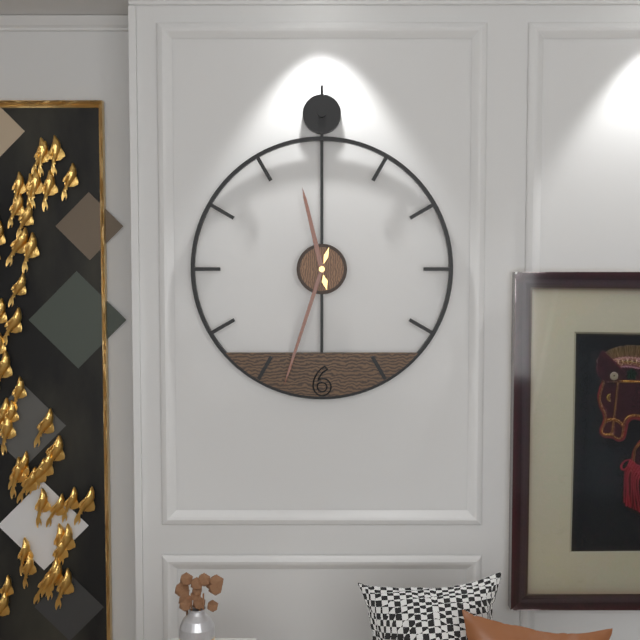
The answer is 11,33
